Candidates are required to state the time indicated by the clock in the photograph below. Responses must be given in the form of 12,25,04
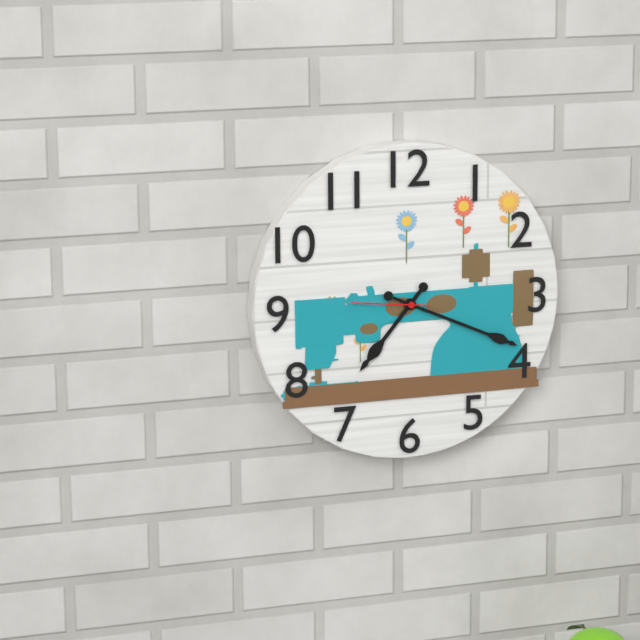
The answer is 7,19,46
